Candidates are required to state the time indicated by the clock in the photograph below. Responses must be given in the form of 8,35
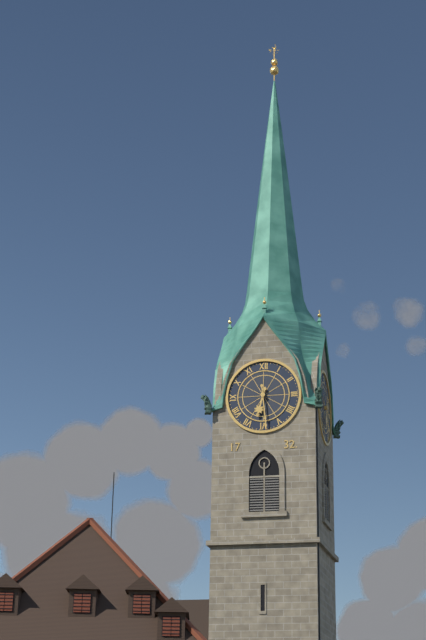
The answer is 6,29
